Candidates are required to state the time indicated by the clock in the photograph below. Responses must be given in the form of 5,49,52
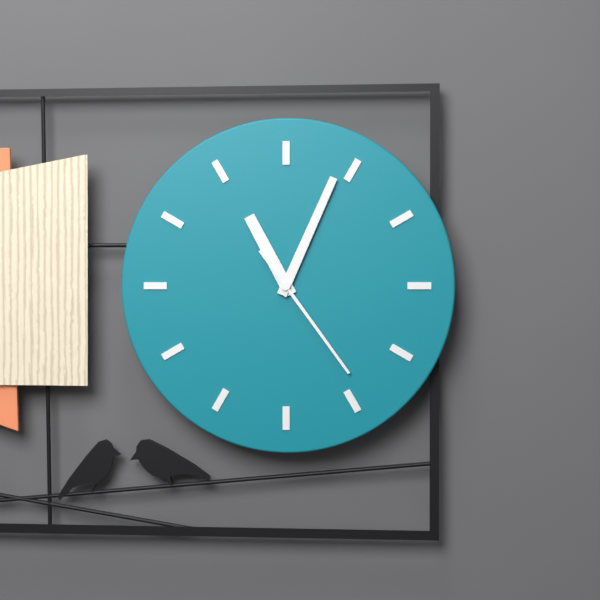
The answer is 11,04,24
